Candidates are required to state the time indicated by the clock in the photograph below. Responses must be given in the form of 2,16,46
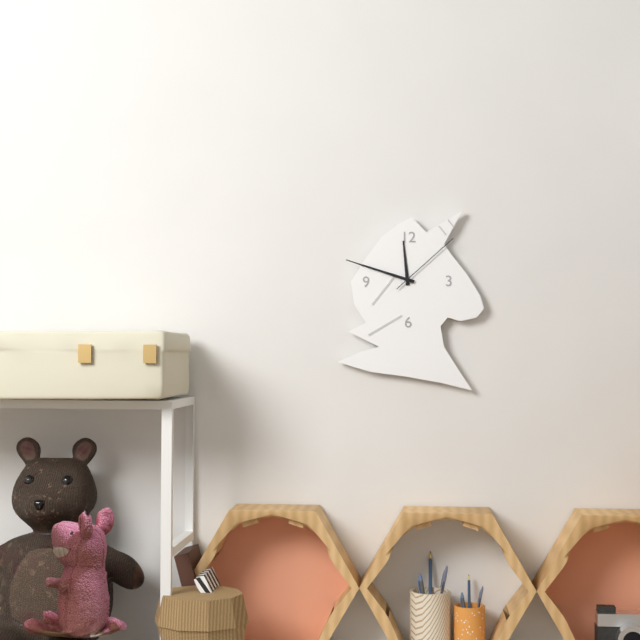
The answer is 11,48,08
